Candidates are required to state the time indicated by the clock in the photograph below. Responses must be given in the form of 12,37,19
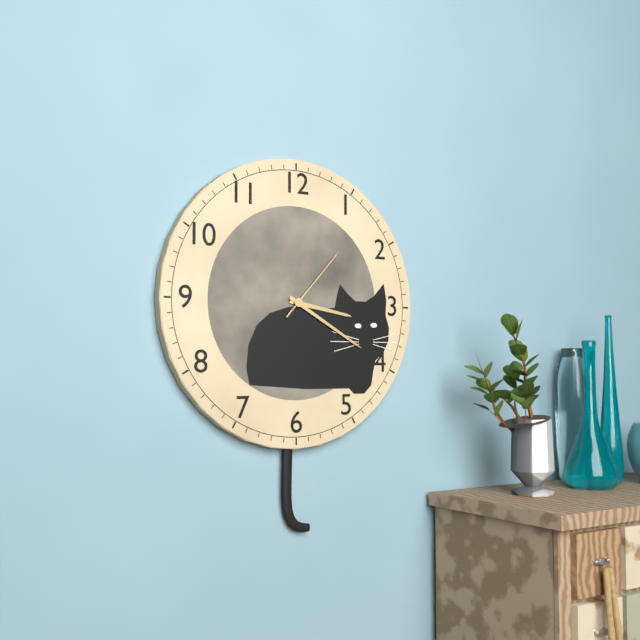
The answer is 3,20,07
